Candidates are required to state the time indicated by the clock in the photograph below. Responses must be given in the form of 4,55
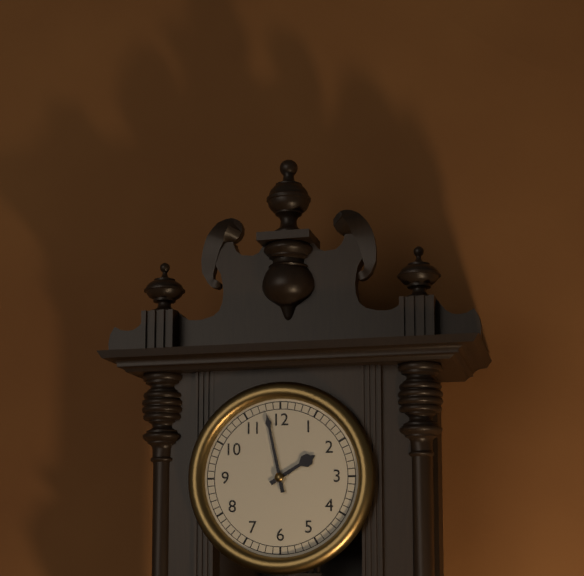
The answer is 1,58
